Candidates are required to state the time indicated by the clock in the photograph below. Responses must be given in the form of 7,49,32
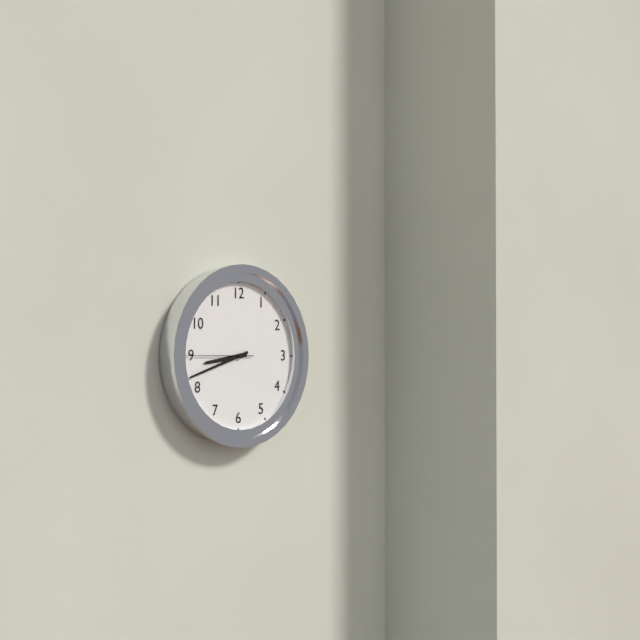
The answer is 8,42,45
